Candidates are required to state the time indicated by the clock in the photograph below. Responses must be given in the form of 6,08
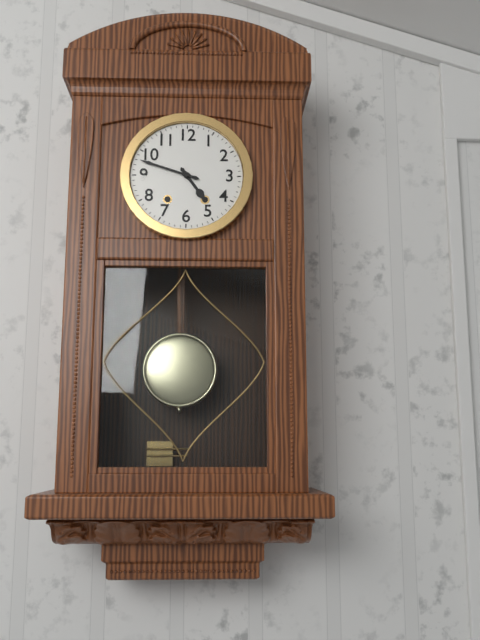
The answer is 4,48
